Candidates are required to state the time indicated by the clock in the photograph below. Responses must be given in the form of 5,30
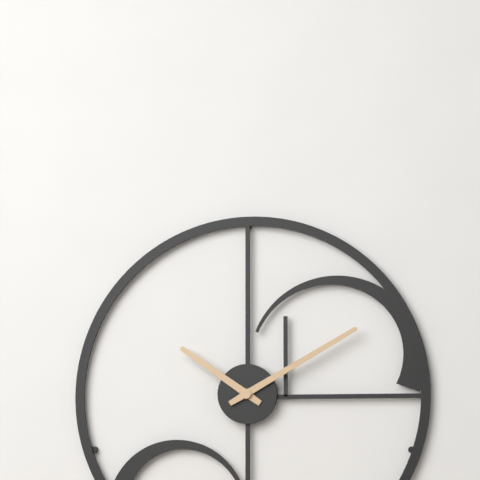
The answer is 10,10
